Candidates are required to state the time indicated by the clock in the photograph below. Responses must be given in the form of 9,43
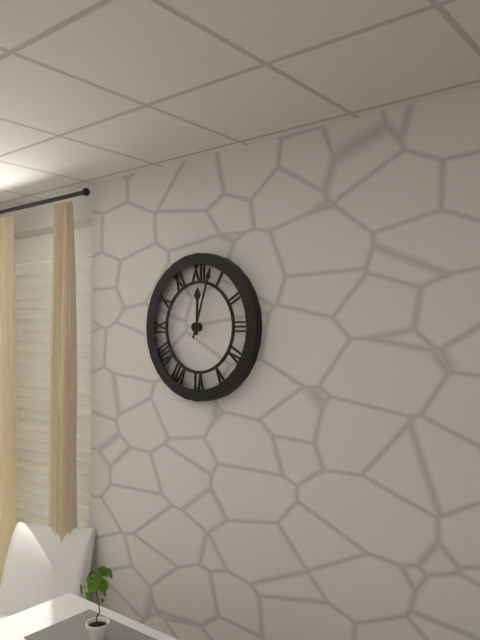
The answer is 12,03
